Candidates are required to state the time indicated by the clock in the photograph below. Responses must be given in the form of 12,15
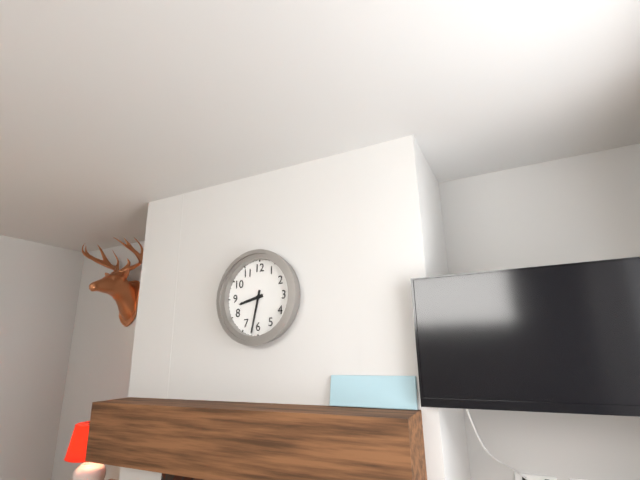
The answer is 8,32
